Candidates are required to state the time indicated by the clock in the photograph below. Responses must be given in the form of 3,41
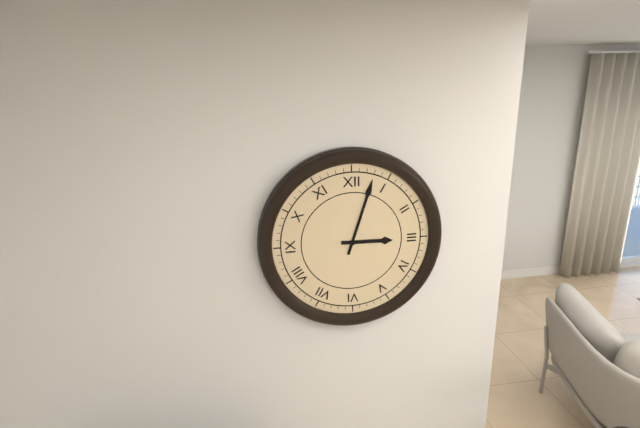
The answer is 3,03
